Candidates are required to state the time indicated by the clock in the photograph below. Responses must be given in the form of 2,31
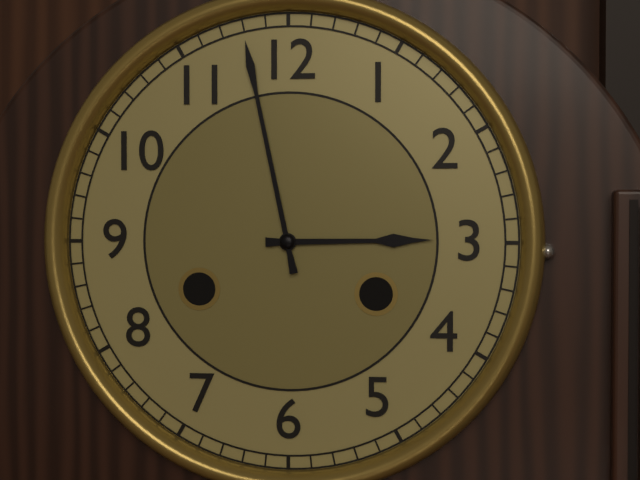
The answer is 2,58
